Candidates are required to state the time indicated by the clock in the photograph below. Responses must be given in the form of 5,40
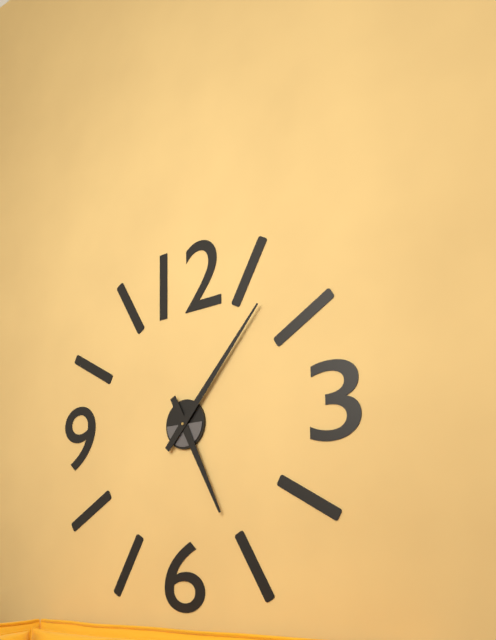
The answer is 5,07
